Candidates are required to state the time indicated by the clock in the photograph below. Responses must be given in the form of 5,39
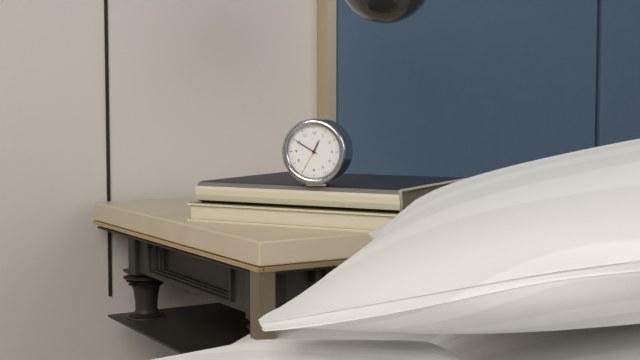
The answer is 12,50
